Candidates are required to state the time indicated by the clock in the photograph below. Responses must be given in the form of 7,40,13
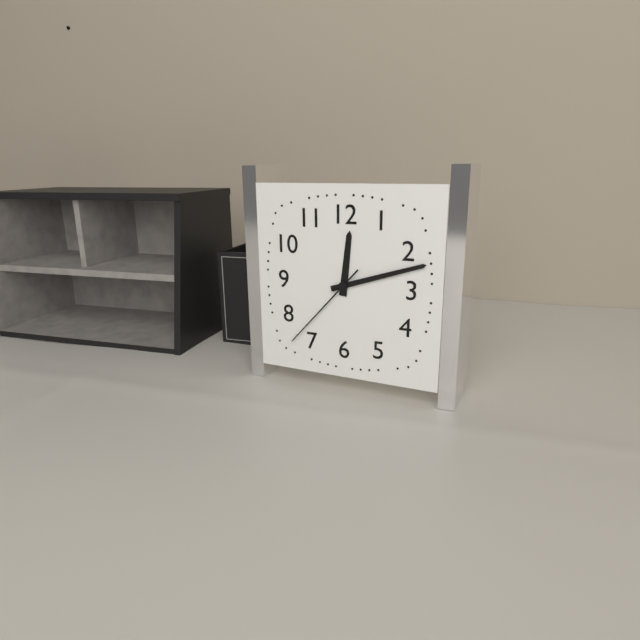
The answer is 12,12,37
